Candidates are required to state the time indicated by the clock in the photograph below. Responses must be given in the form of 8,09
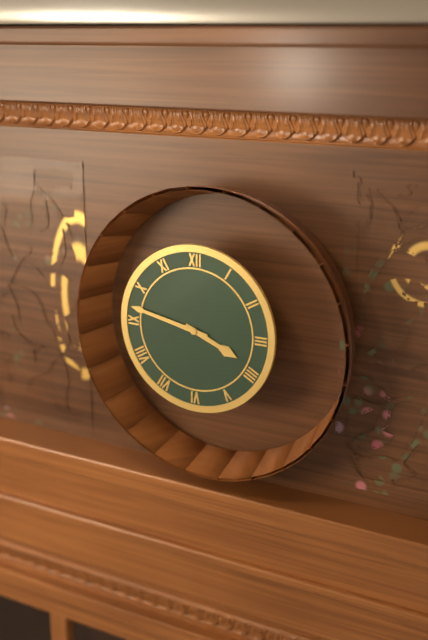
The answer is 3,47
